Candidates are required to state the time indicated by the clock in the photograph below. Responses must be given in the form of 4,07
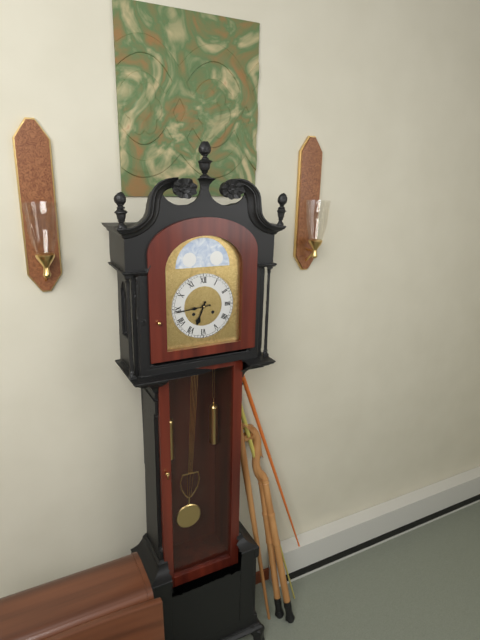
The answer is 6,44
